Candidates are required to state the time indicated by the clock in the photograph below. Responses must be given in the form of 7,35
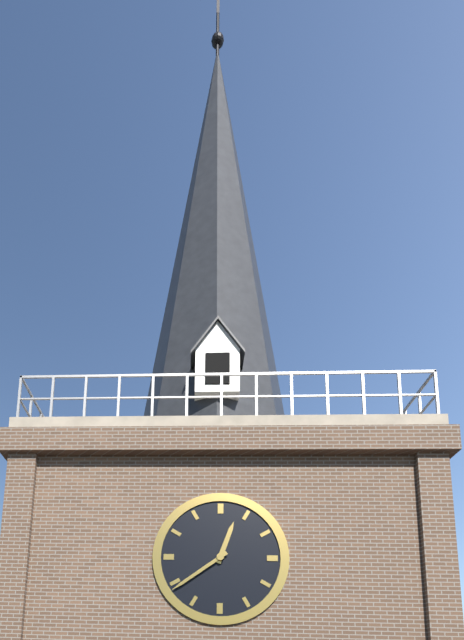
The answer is 12,39
